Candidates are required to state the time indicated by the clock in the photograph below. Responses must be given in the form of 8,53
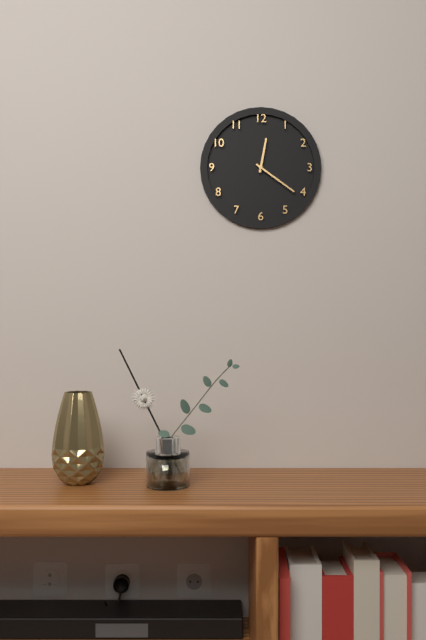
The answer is 12,21
